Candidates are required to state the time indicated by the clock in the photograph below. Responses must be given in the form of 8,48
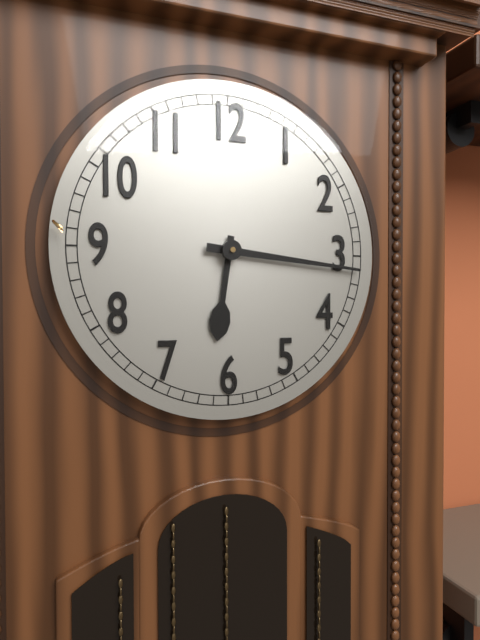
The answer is 6,16
